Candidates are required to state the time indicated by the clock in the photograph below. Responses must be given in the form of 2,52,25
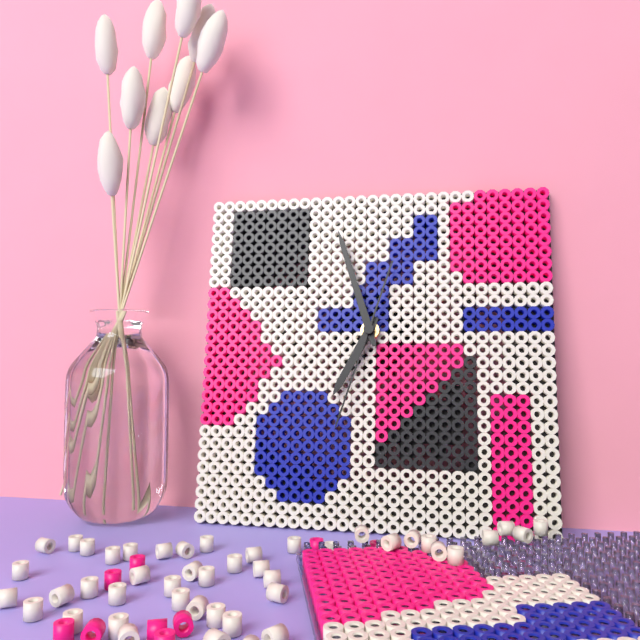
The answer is 6,57,33
